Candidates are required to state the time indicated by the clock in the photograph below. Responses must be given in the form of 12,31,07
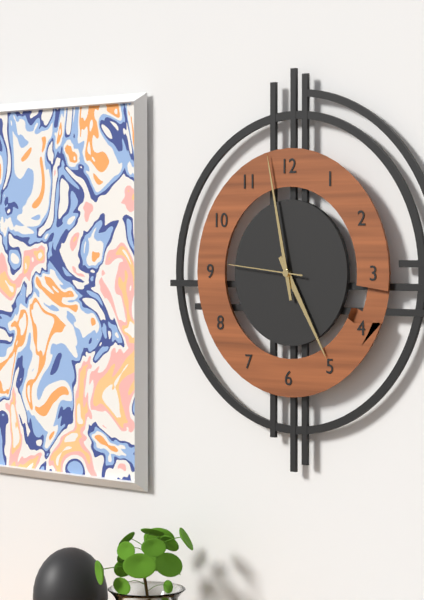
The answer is 4,58,46
